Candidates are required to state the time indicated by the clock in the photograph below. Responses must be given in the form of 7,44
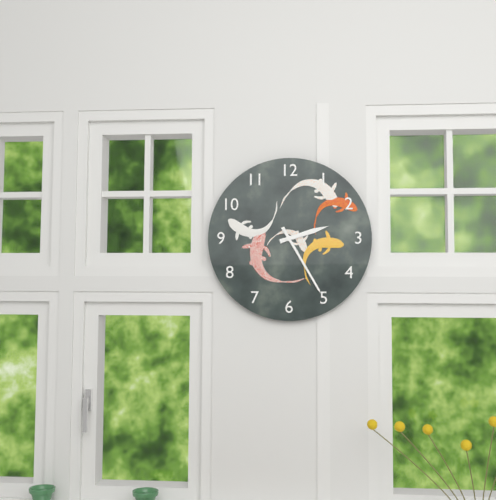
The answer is 2,25
